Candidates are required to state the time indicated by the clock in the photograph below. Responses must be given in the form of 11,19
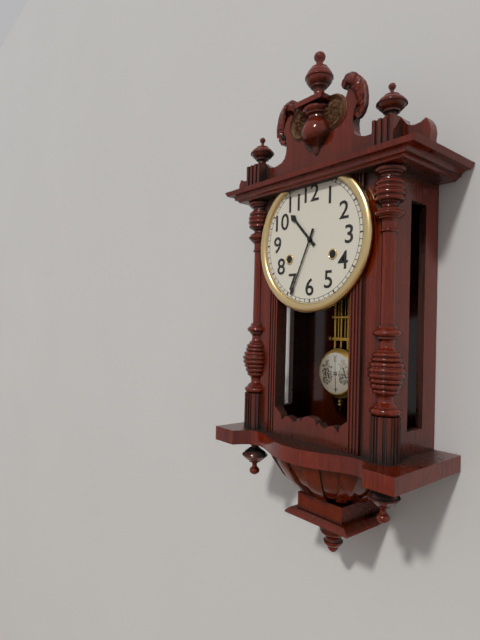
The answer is 10,34
